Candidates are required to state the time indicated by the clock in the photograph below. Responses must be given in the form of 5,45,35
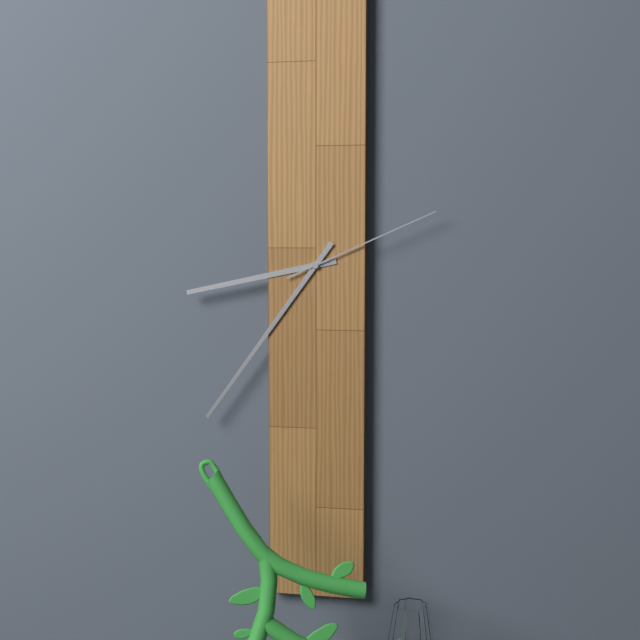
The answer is 8,36,11
